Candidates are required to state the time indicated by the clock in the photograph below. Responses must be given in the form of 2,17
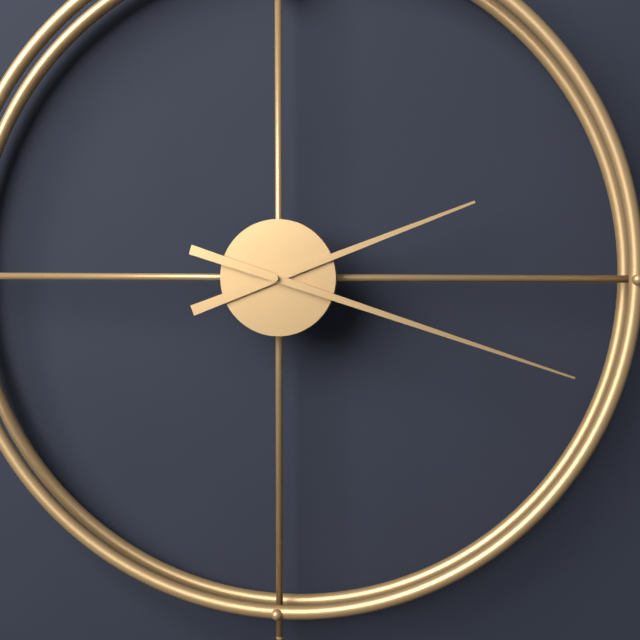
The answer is 2,18
